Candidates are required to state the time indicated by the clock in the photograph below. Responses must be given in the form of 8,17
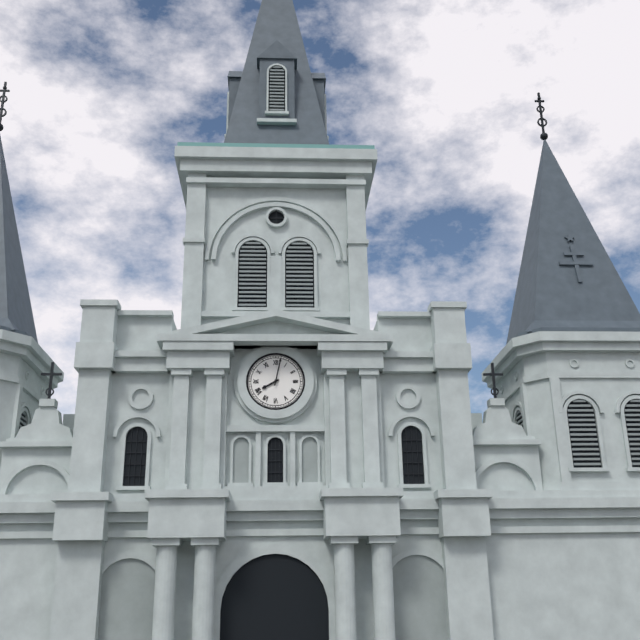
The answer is 8,02
